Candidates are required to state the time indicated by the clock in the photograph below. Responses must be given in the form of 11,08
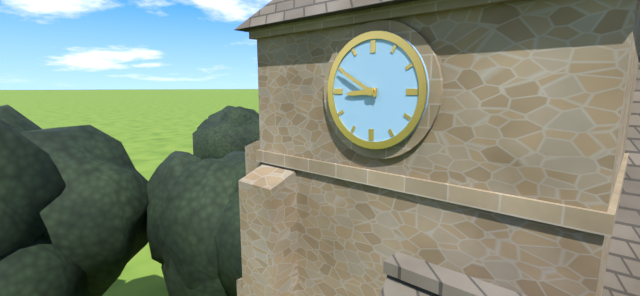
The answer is 8,50
